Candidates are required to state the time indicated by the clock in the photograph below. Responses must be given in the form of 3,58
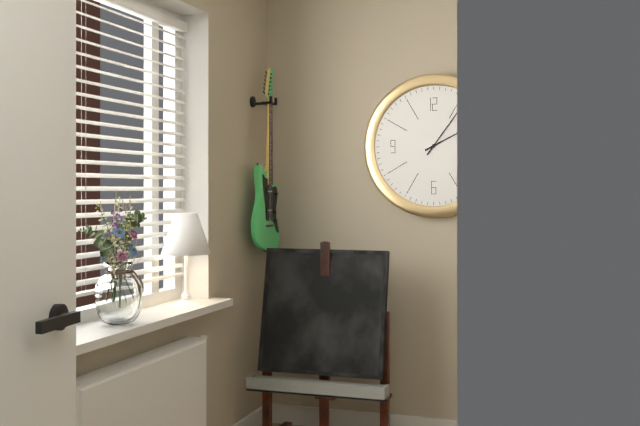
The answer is 2,06
